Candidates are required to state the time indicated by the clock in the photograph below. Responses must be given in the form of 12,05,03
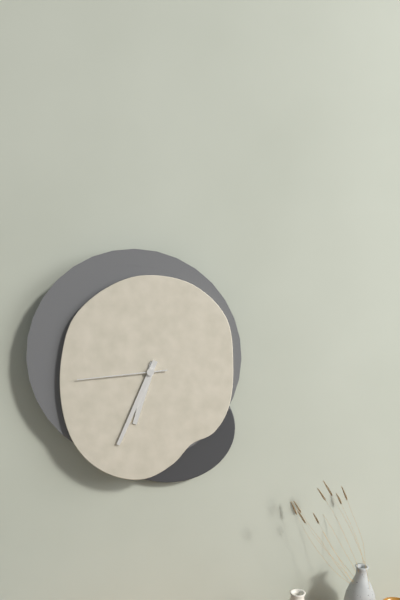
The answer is 6,34,44
